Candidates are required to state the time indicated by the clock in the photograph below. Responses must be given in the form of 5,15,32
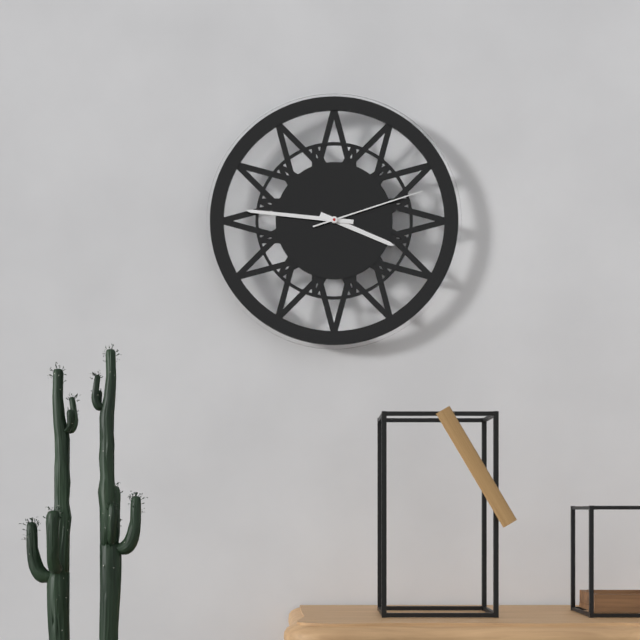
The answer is 3,46,12
